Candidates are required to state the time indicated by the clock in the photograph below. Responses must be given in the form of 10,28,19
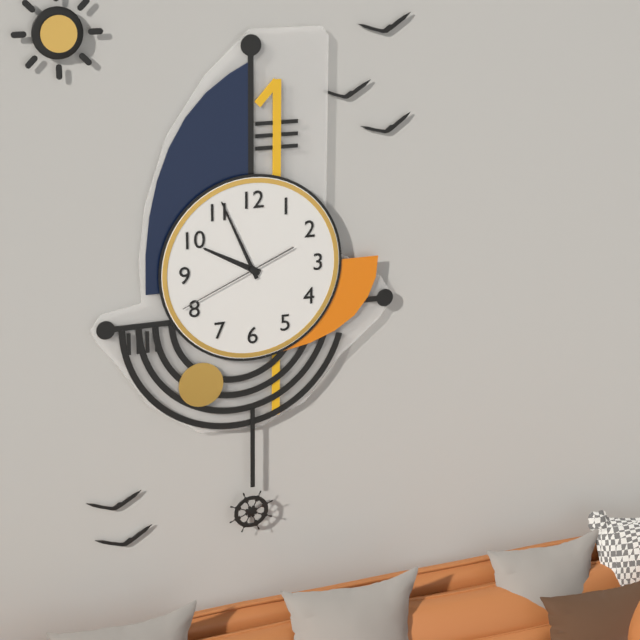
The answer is 9,56,41
